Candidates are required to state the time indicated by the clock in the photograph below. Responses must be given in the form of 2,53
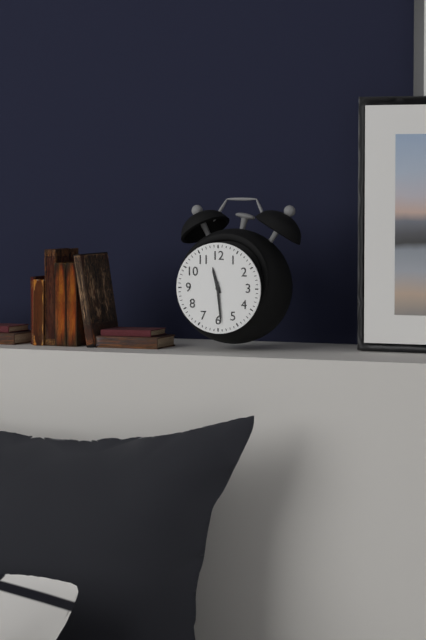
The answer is 11,29
